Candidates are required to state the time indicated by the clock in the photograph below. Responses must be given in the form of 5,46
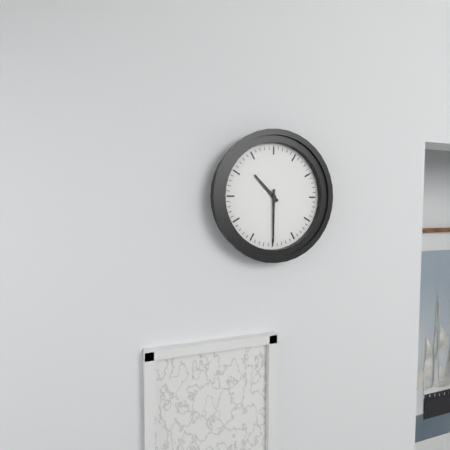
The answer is 10,30
